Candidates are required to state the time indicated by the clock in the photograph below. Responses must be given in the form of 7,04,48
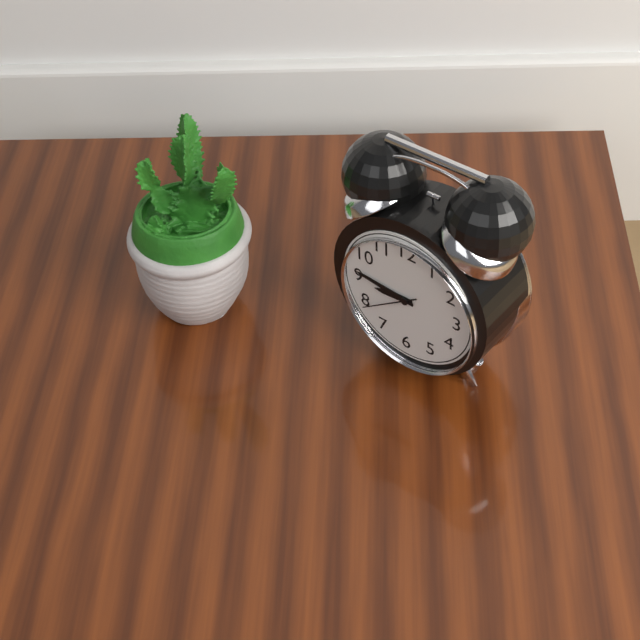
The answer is 8,46,39
